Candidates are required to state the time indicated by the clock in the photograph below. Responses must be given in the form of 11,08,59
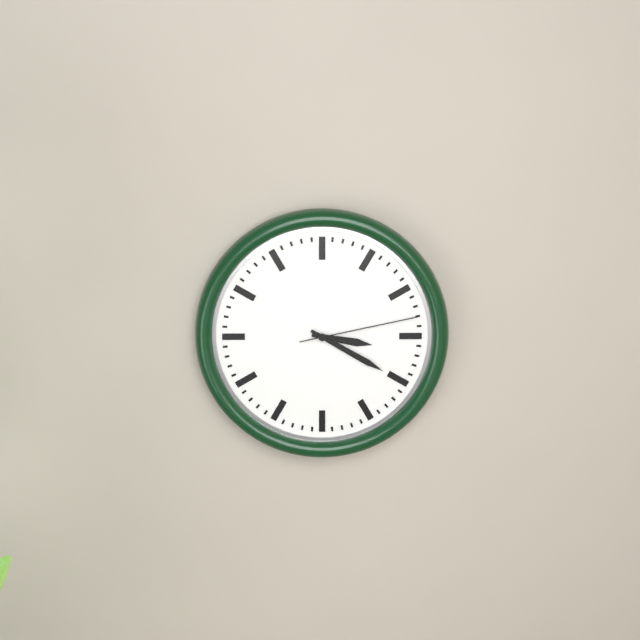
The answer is 3,20,13
